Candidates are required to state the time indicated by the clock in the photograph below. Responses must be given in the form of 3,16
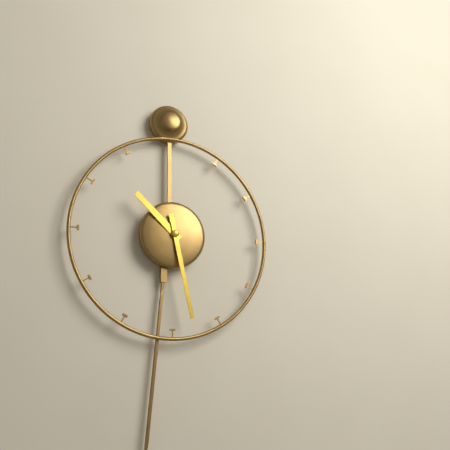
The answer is 10,28
